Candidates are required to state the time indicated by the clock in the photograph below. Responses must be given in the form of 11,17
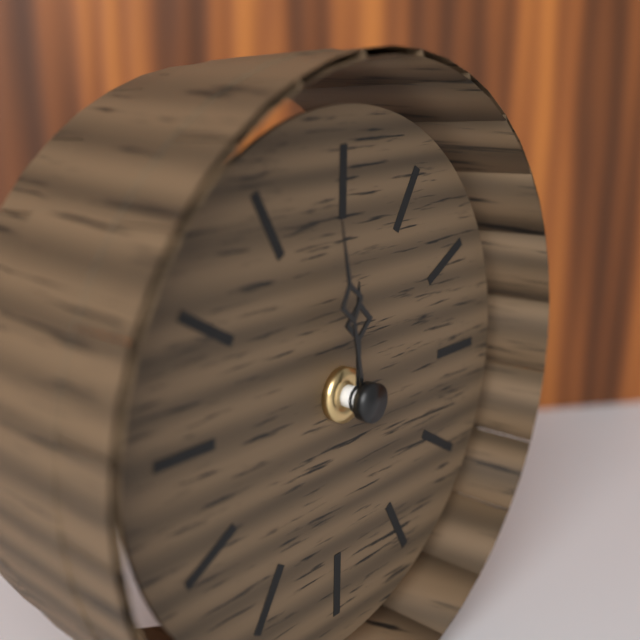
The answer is 11,58
